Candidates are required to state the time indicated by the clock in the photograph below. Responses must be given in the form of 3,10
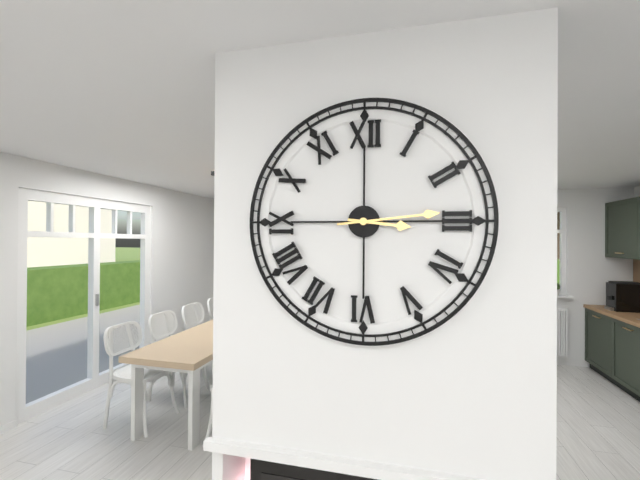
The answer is 3,14
